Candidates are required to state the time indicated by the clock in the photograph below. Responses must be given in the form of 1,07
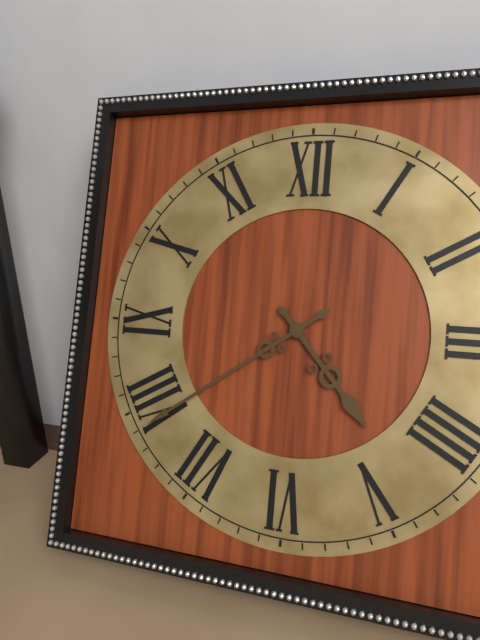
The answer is 4,39
